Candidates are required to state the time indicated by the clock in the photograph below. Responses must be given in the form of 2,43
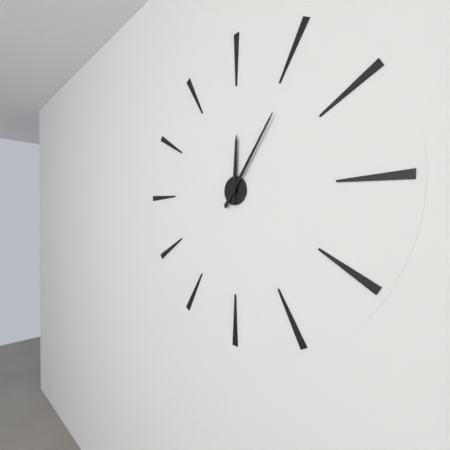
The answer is 12,06
